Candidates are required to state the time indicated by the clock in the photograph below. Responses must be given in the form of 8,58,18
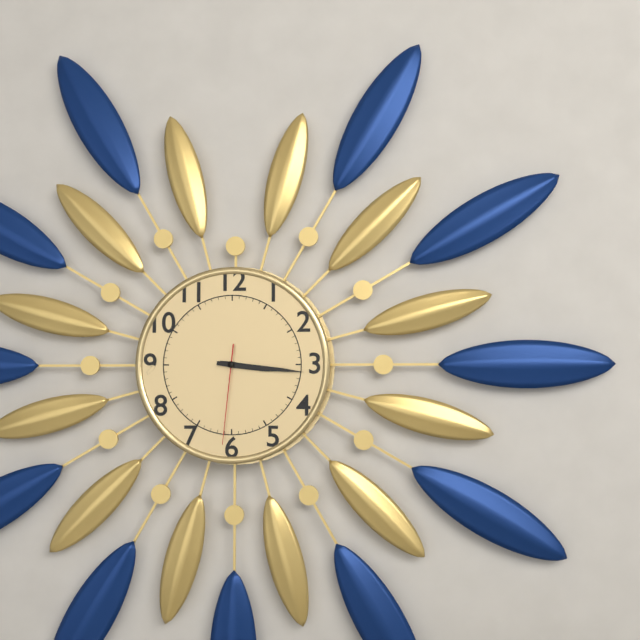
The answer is 3,16,31
